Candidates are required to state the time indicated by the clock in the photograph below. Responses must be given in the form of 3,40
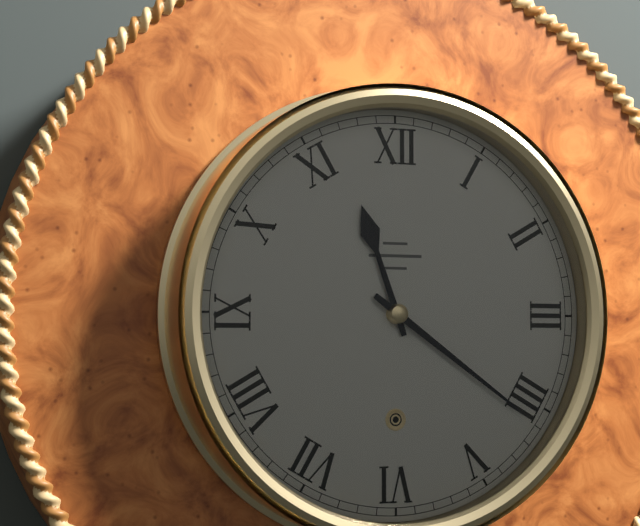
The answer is 11,21
